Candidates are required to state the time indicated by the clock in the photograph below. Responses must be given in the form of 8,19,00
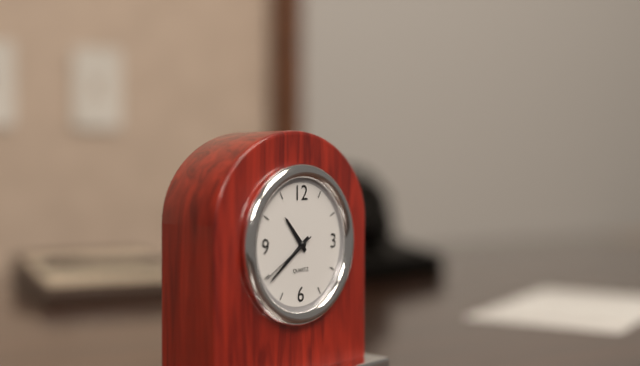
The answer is 10,39,40
